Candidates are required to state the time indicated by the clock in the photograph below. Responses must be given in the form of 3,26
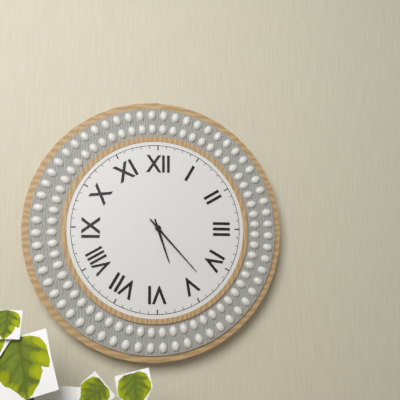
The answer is 5,23
